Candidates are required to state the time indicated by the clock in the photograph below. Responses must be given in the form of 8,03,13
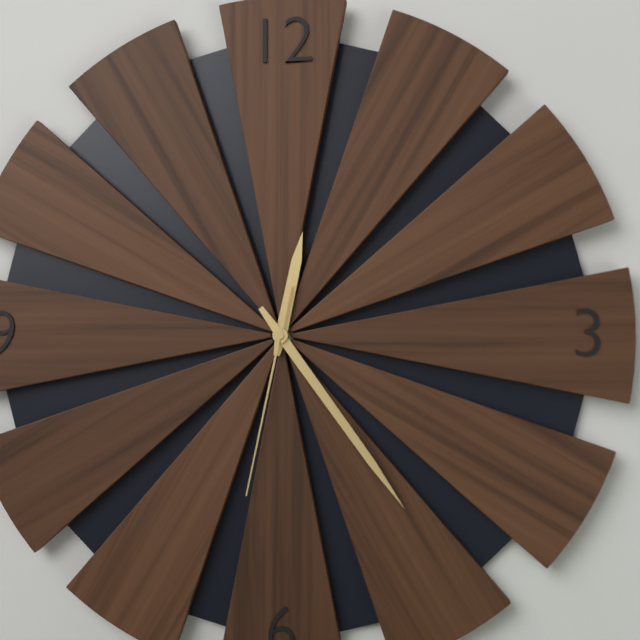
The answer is 12,24,32
